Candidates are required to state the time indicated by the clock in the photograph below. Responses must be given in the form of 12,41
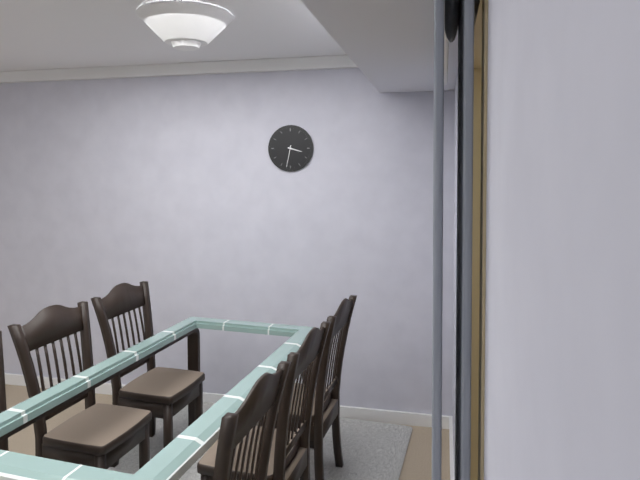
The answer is 3,32
